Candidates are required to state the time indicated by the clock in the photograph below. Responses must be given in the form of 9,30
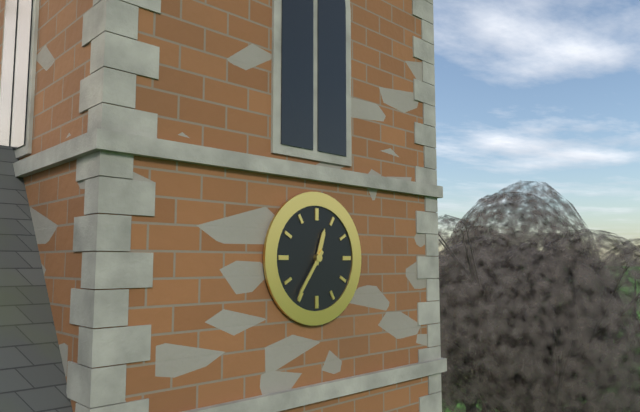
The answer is 12,36
